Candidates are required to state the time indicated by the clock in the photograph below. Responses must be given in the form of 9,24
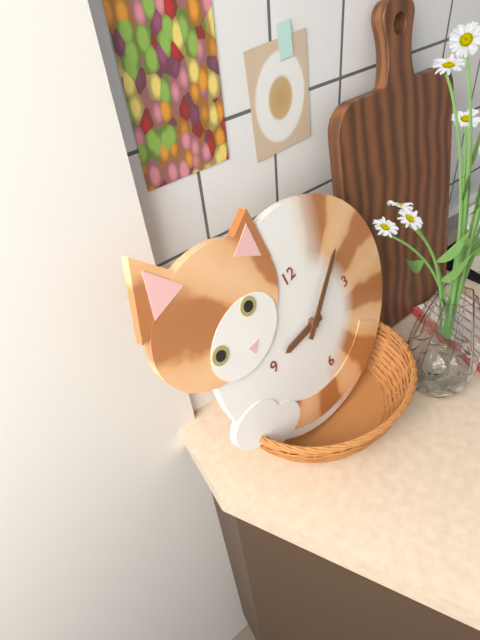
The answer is 9,09
